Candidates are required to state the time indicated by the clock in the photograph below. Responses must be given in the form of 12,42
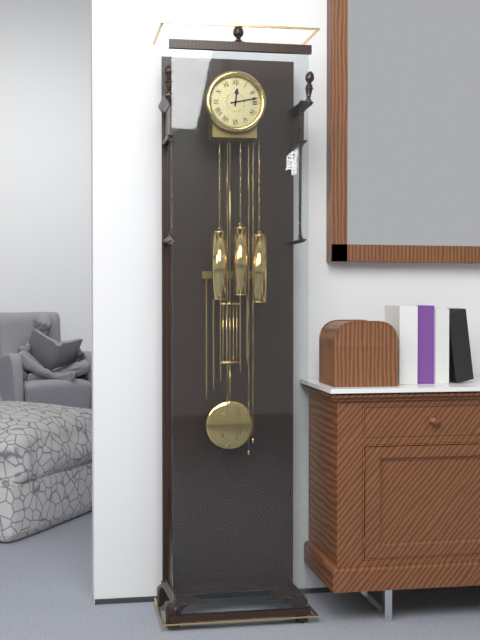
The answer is 12,13
